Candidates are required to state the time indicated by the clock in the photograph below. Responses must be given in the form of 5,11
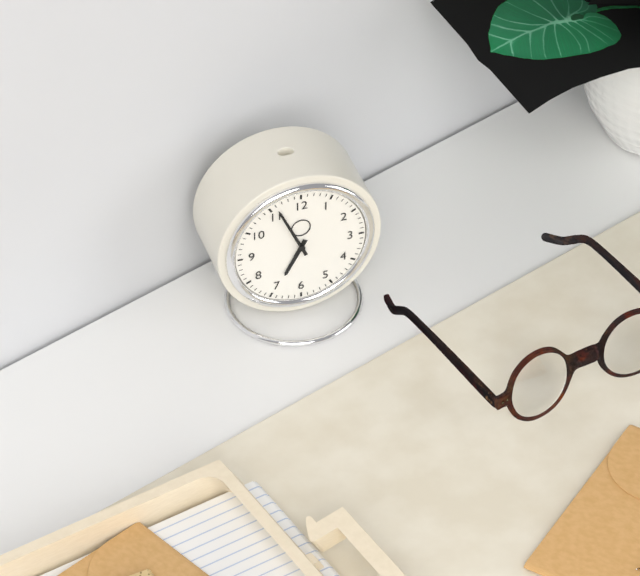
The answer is 6,56
